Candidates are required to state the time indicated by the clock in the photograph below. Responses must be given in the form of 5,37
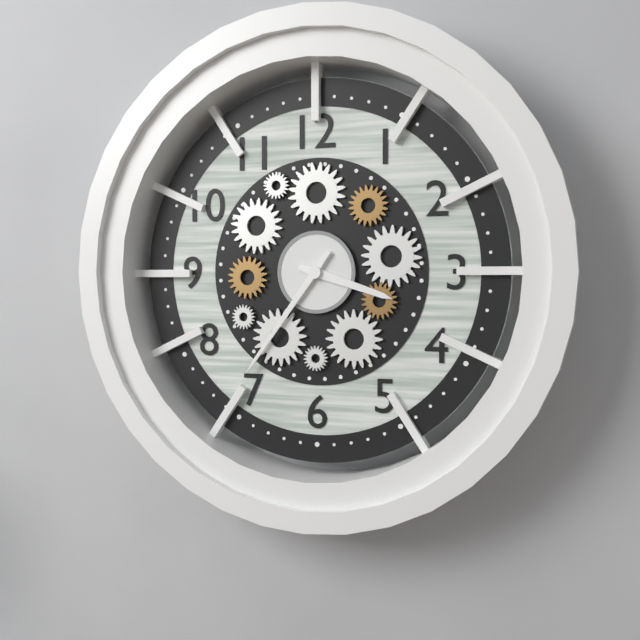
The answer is 3,36
